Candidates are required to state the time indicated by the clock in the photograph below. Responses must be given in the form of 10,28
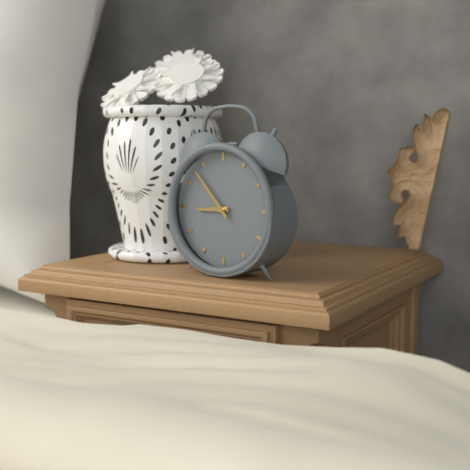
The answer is 8,53
